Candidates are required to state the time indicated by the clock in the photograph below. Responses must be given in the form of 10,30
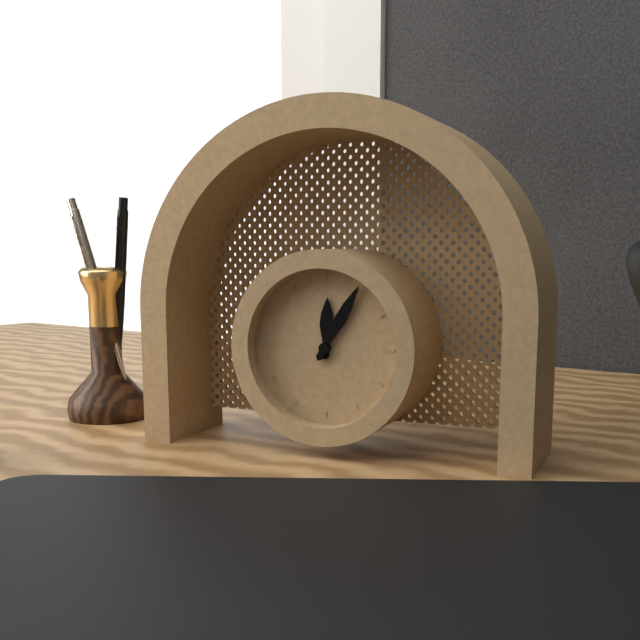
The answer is 12,05
